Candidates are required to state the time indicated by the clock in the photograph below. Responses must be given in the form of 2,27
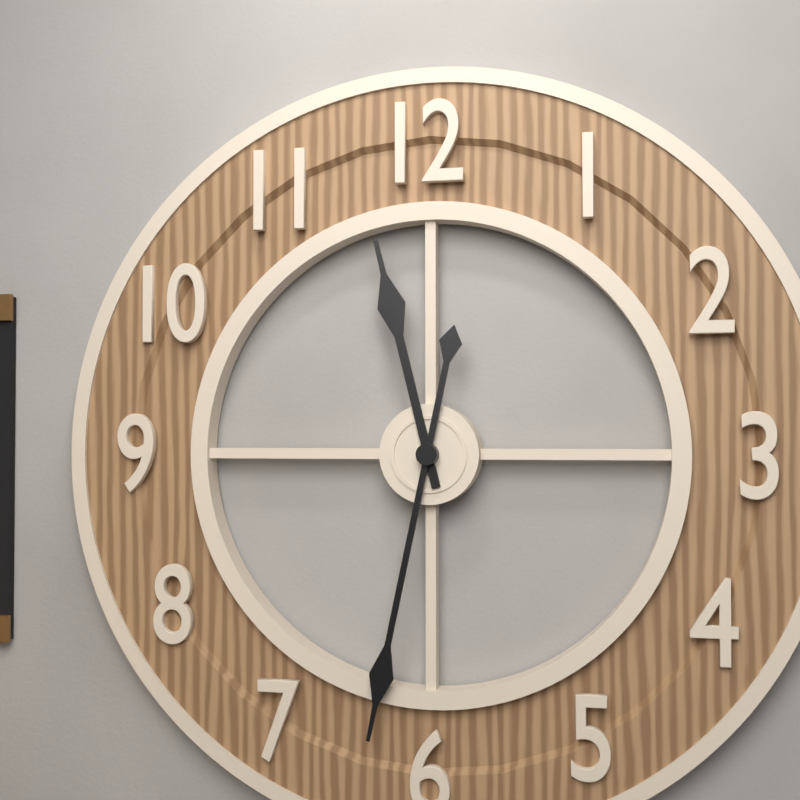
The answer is 11,32
